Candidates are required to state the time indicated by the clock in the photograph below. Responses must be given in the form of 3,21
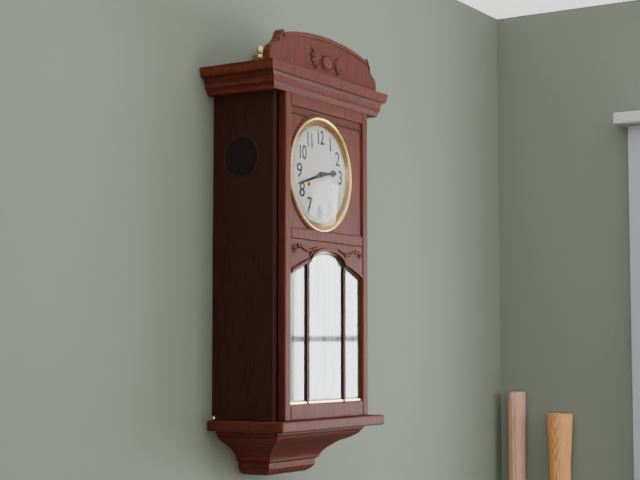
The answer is 2,42
